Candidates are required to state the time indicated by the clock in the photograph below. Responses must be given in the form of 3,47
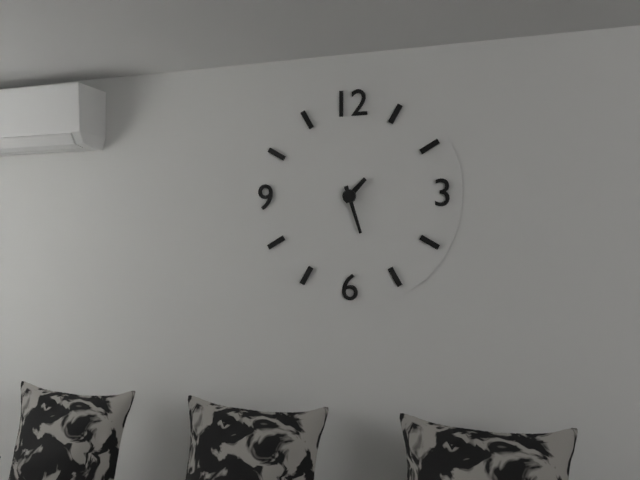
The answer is 1,27
